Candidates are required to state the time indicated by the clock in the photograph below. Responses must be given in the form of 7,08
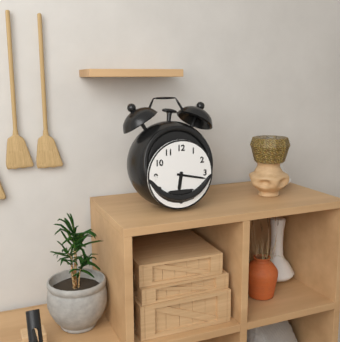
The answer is 6,17
